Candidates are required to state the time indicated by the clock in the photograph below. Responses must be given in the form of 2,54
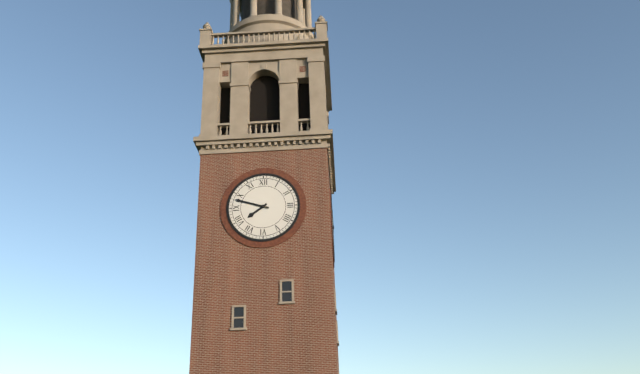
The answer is 7,48
